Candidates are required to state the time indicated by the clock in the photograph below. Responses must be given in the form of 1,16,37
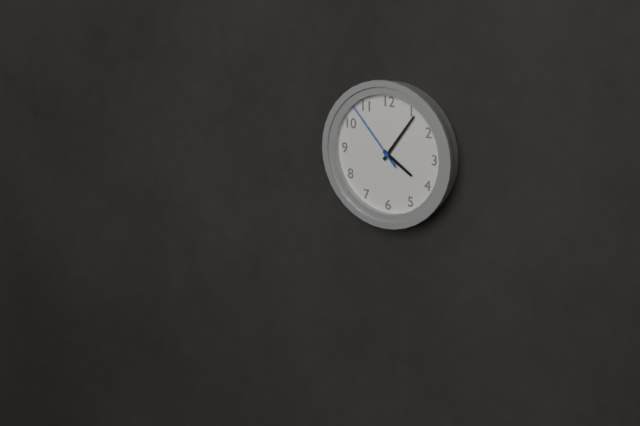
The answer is 4,06,53
